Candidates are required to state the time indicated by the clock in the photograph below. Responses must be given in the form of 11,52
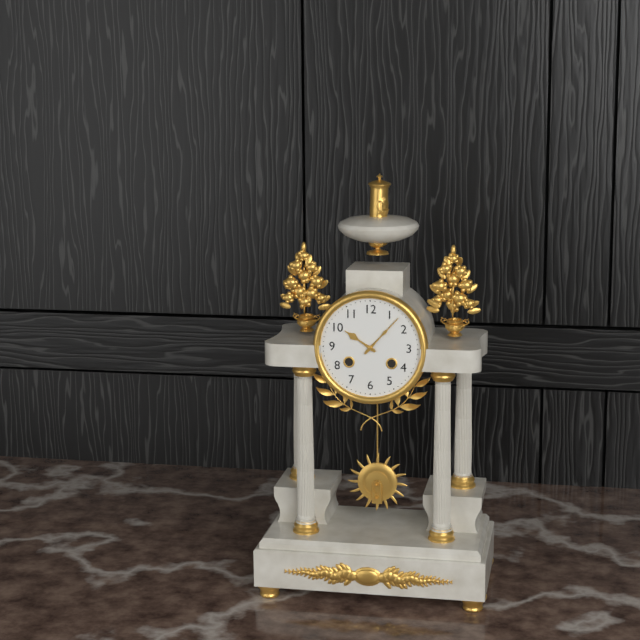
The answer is 10,07
